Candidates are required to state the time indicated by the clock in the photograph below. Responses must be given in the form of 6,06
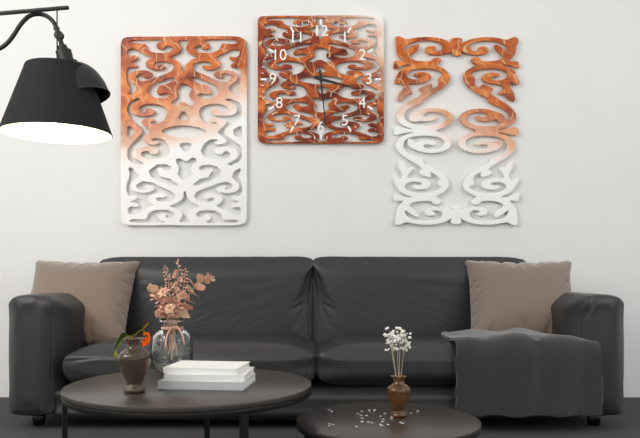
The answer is 3,29
